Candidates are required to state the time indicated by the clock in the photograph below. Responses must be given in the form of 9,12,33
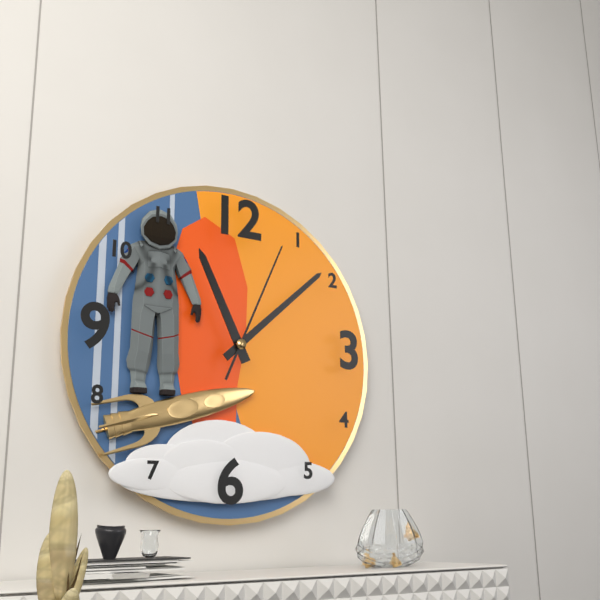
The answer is 11,08,04
